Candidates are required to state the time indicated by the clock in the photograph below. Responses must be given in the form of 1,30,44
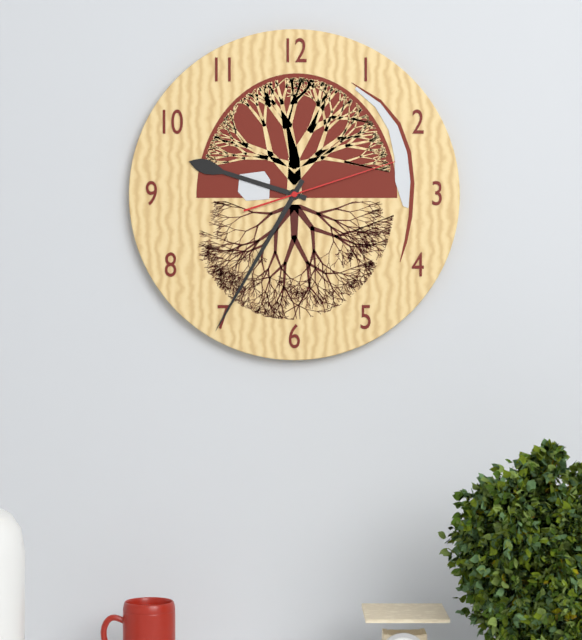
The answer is 9,35,12
